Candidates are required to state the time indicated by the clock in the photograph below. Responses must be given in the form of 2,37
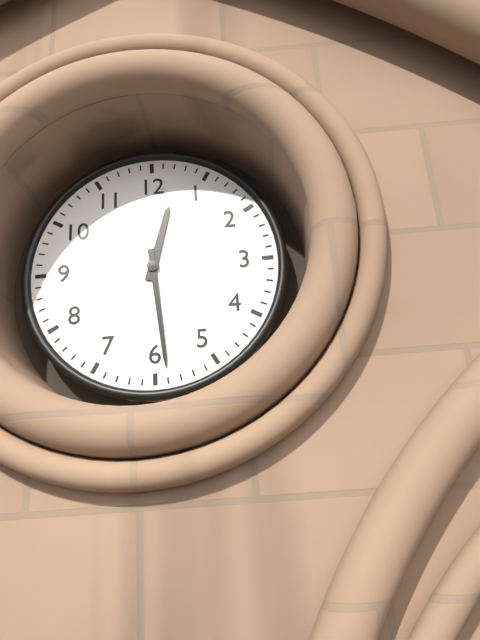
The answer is 12,29
